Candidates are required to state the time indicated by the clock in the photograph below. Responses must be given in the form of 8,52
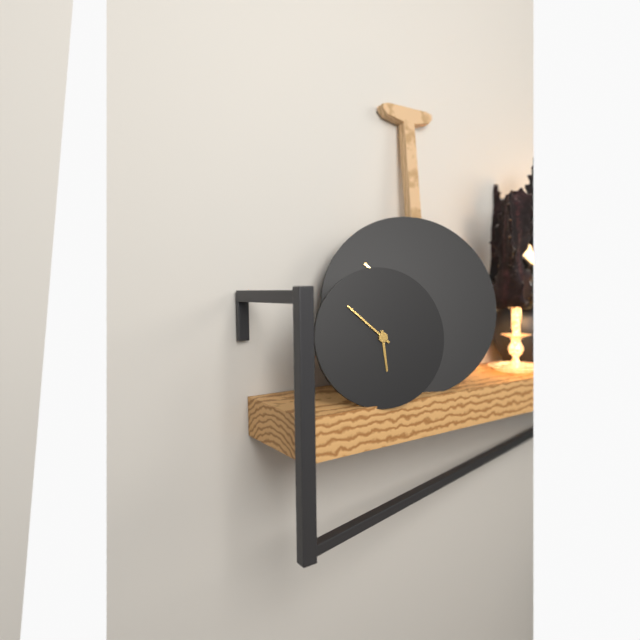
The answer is 5,52
